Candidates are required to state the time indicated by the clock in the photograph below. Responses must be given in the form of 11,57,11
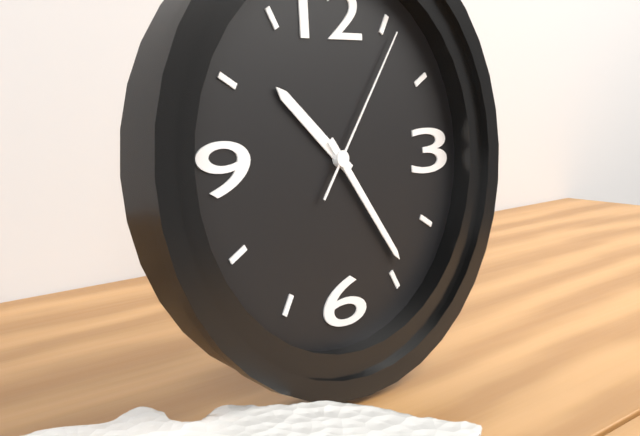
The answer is 10,24,06
